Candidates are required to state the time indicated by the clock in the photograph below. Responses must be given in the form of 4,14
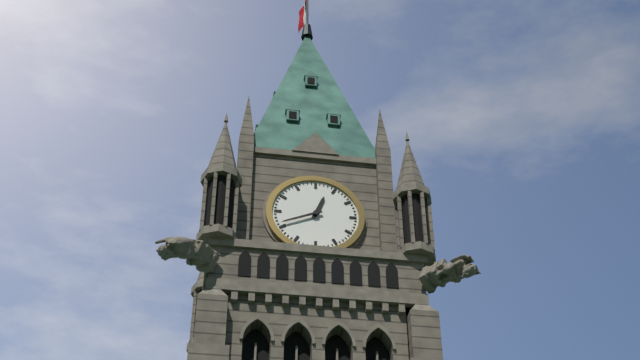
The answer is 12,41
